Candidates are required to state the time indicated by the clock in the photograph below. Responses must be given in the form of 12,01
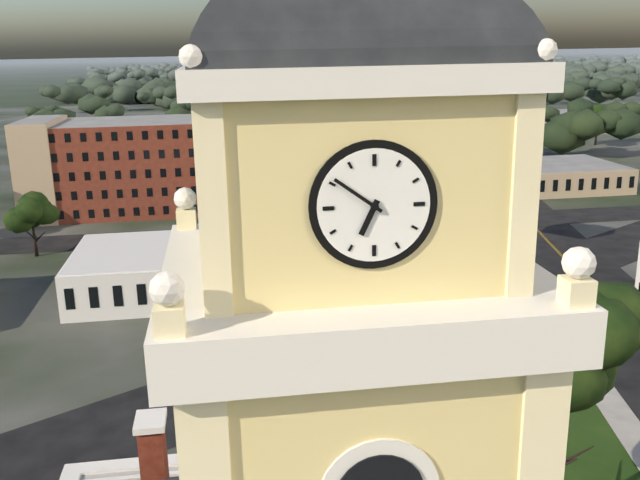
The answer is 6,51
